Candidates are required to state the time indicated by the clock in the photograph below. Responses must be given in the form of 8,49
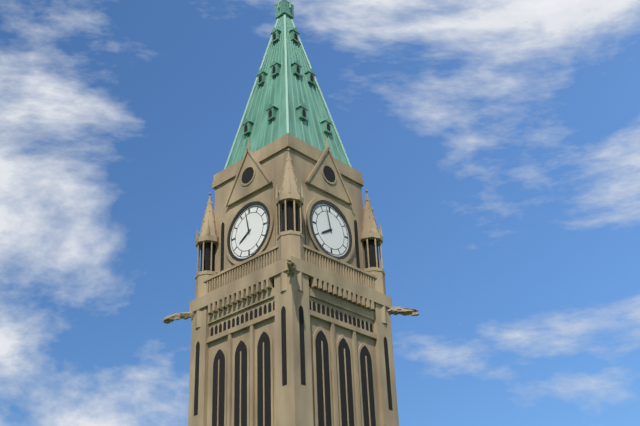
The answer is 7,58
